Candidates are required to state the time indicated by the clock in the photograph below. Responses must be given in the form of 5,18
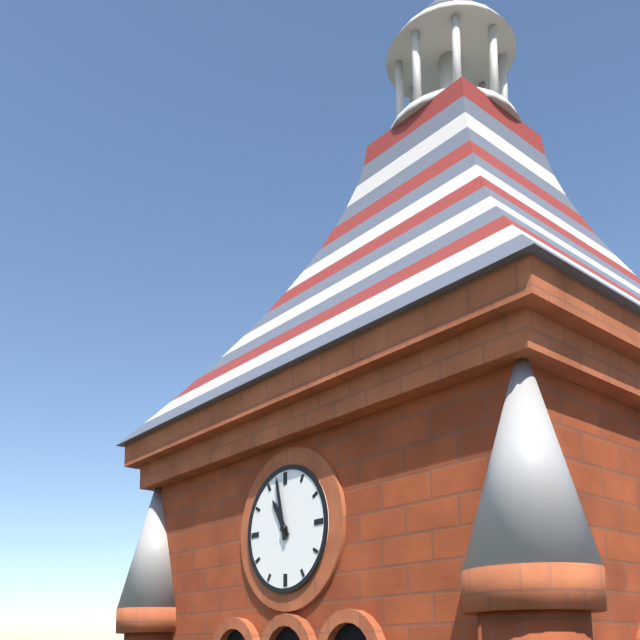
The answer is 10,58
